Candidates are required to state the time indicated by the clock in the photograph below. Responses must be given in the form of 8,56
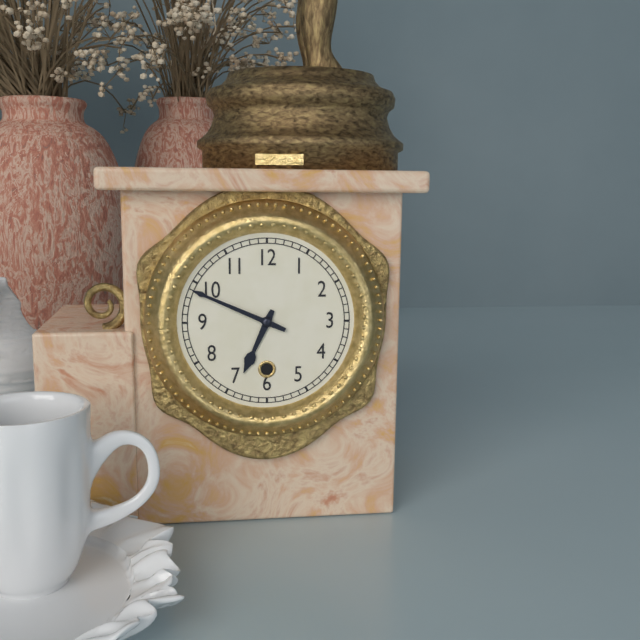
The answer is 6,49
